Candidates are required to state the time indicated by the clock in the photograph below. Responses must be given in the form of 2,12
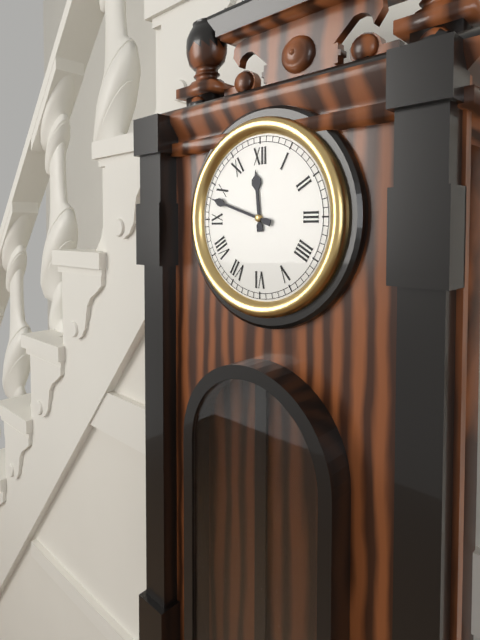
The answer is 11,48
